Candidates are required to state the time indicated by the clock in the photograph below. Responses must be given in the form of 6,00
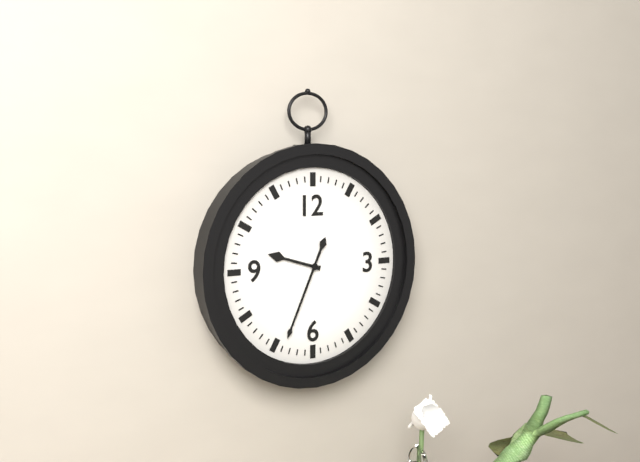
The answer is 9,34
